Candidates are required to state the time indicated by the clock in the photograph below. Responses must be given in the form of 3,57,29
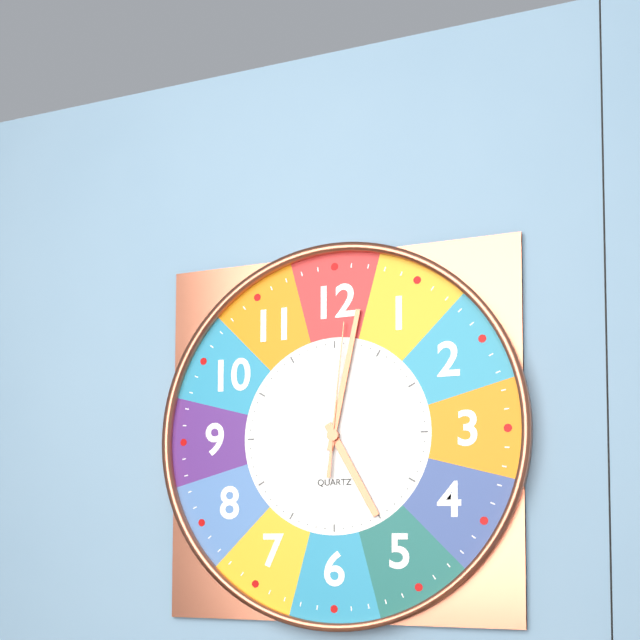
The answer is 5,02,01
